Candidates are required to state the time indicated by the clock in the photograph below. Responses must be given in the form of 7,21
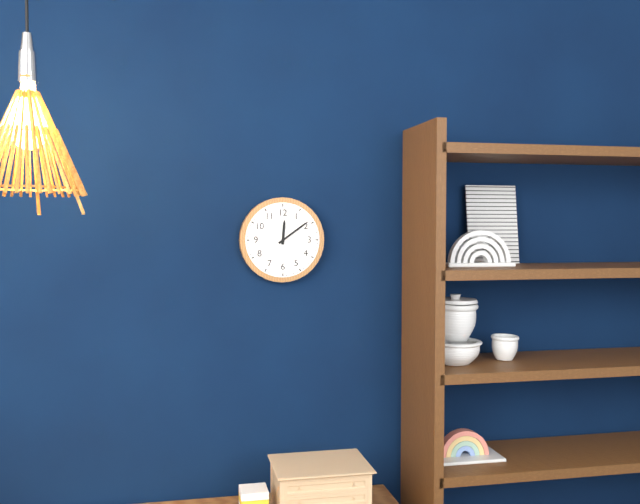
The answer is 12,09
